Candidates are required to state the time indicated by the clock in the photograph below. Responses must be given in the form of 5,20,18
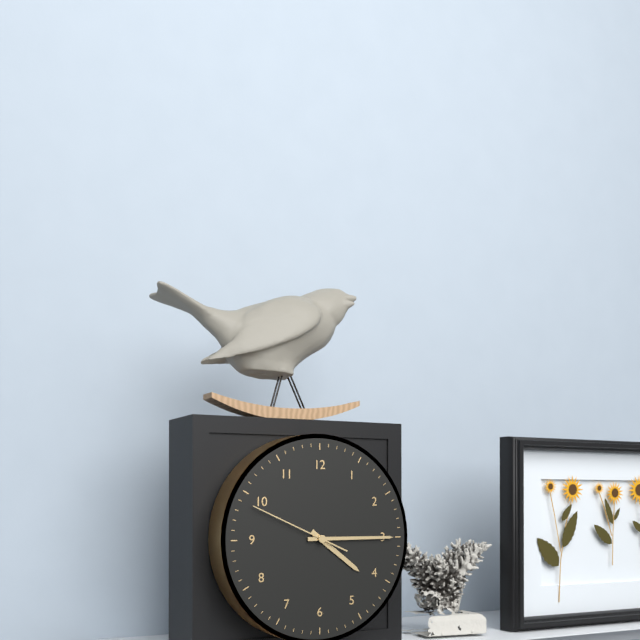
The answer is 4,15,49
